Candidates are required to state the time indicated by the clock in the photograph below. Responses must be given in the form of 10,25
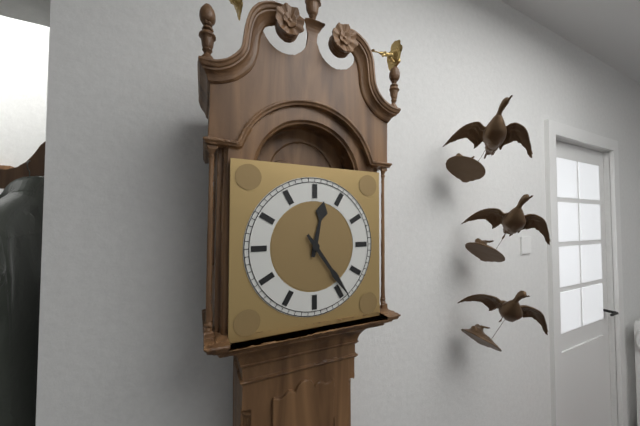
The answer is 12,24
